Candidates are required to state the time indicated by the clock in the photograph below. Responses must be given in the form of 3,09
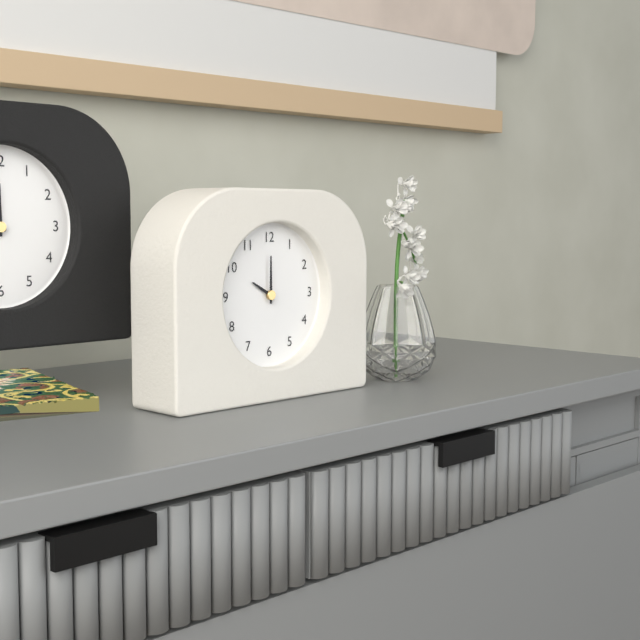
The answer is 10,00
